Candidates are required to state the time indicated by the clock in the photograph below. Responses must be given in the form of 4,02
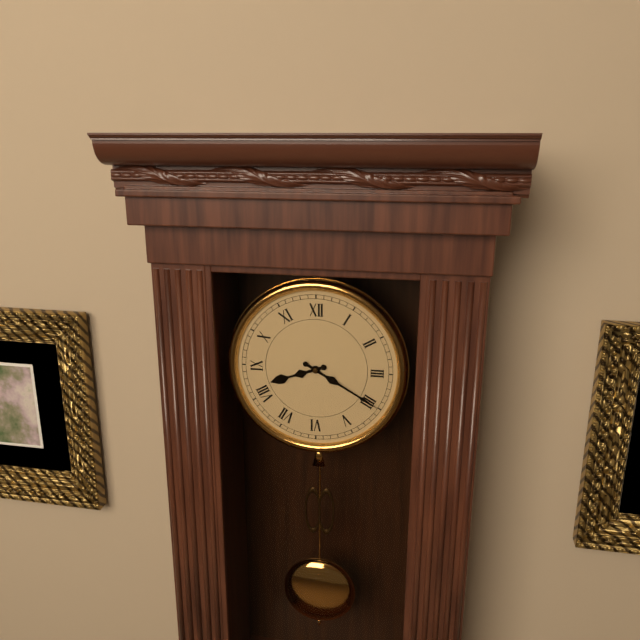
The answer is 8,20
